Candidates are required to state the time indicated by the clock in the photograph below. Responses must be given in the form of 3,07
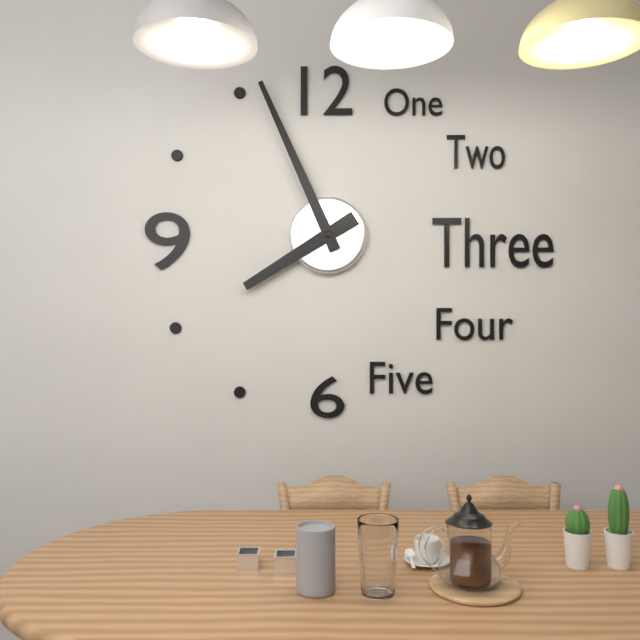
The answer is 7,56
